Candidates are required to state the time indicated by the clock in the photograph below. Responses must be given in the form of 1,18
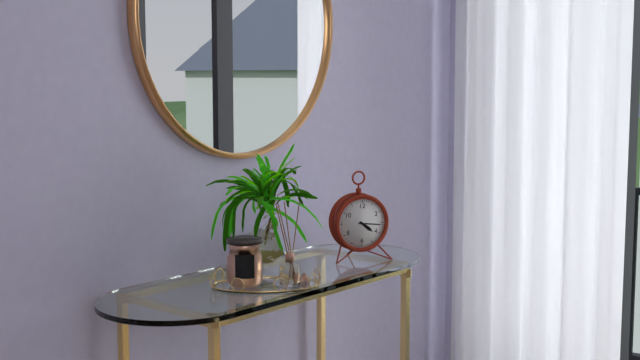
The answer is 4,16
